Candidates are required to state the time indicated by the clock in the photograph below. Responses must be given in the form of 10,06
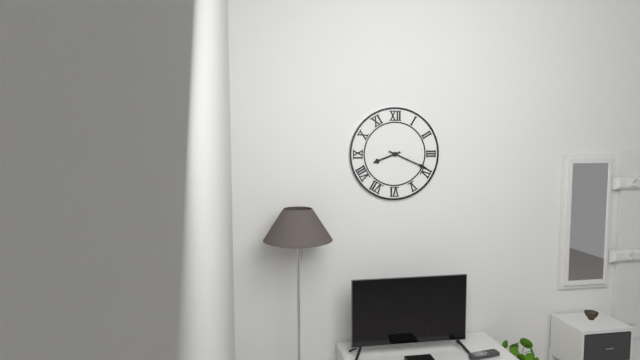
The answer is 8,19
